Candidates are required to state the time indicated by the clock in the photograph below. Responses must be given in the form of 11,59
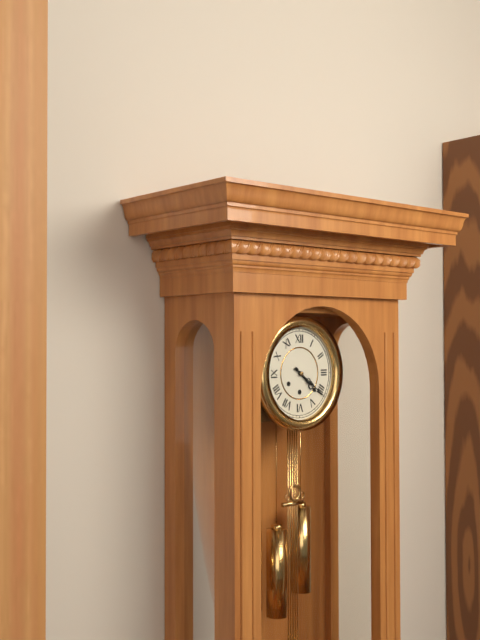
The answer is 4,21
